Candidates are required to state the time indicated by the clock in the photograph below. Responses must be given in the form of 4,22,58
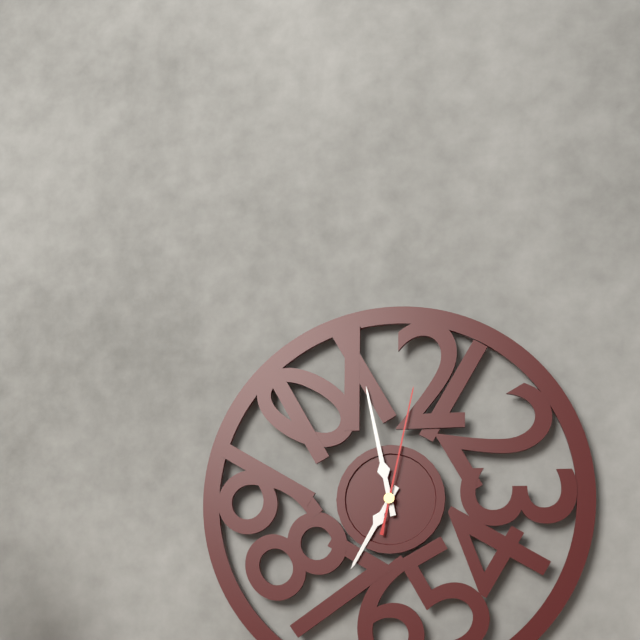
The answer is 6,58,02
